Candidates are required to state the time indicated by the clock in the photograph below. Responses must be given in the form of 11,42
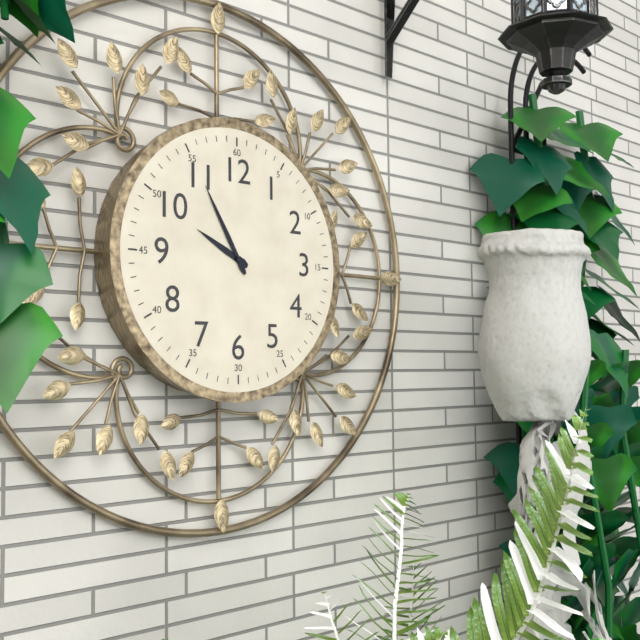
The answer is 9,55
